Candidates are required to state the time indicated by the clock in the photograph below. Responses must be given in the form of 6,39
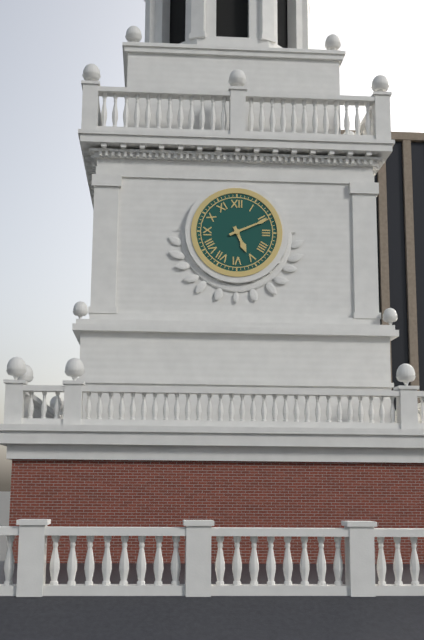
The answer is 5,11
